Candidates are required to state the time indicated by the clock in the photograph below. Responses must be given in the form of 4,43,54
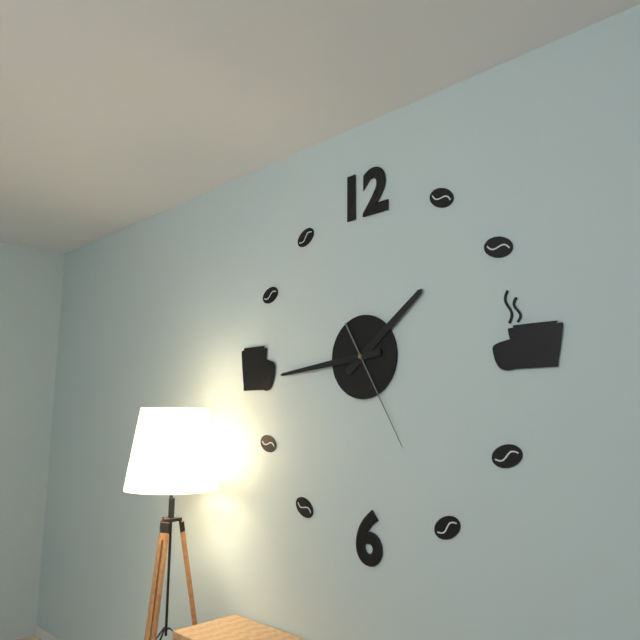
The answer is 1,44,25
